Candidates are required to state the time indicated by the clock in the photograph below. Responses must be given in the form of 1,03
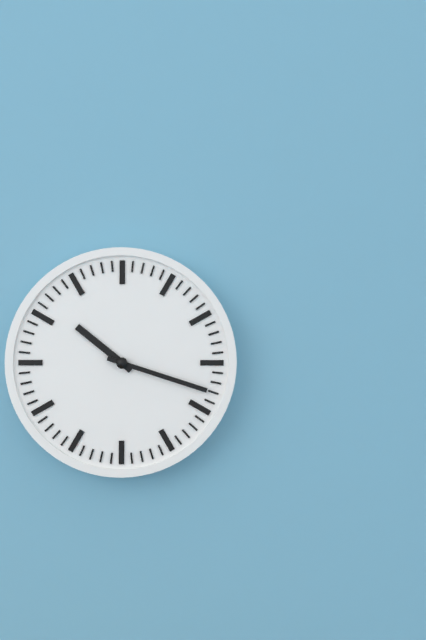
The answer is 10,18
